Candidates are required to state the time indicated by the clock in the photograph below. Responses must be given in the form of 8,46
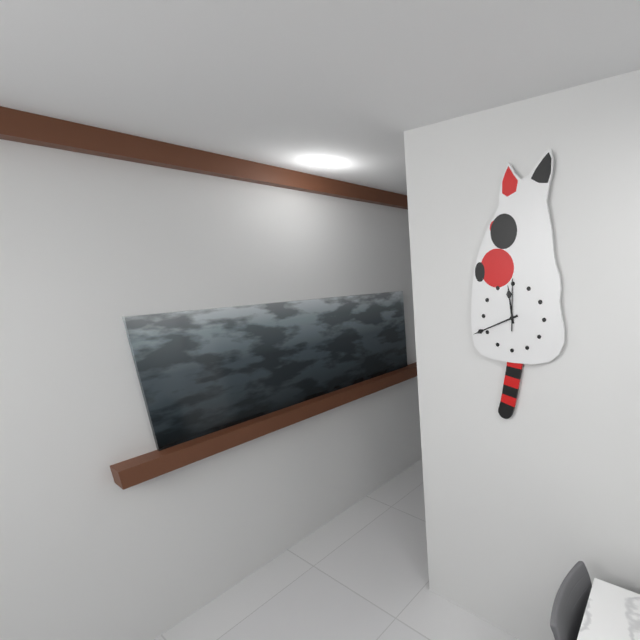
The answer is 11,41
